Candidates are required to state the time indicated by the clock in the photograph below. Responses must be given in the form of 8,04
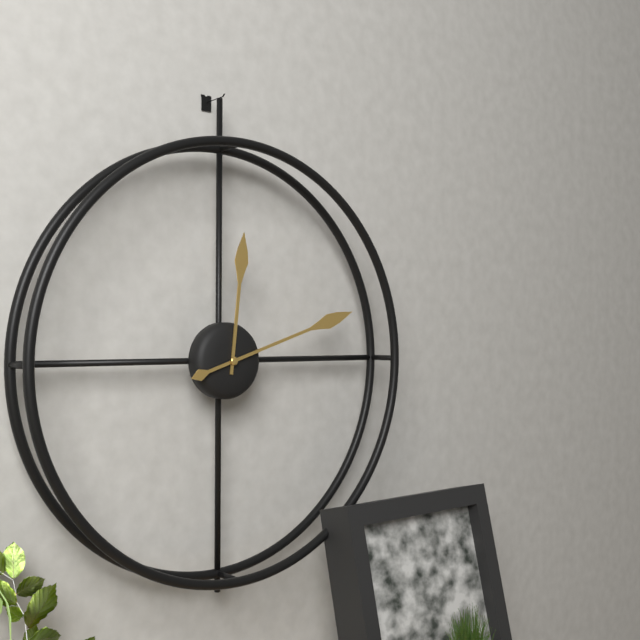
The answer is 12,12
